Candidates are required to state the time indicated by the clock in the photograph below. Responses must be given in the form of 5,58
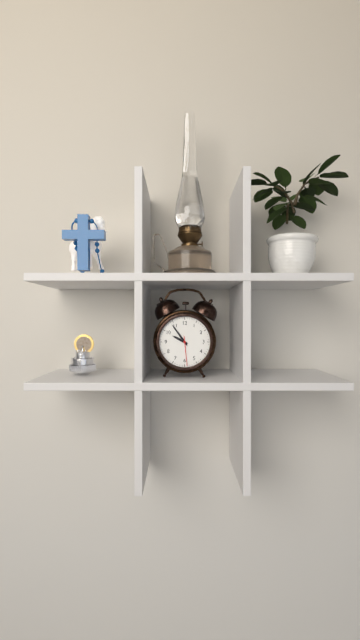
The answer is 9,54
